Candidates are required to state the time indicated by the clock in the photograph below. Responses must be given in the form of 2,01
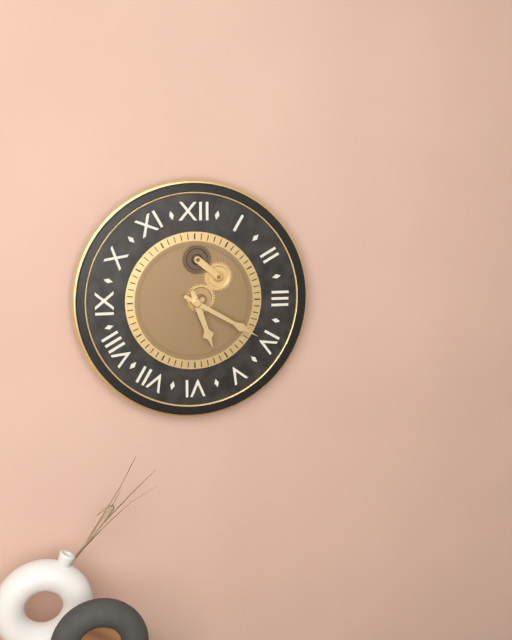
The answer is 5,20
